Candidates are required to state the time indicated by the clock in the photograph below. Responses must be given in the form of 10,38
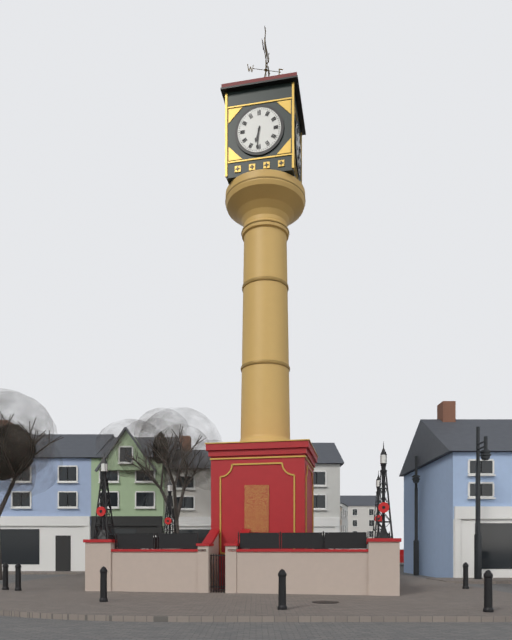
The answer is 6,31
